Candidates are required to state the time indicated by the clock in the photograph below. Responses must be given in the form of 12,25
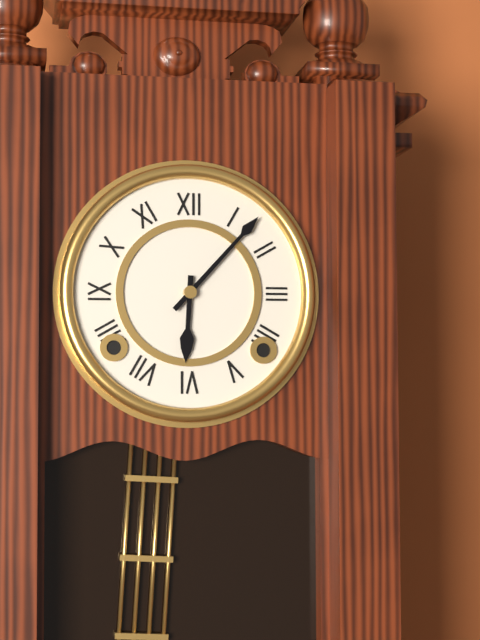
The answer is 6,07
